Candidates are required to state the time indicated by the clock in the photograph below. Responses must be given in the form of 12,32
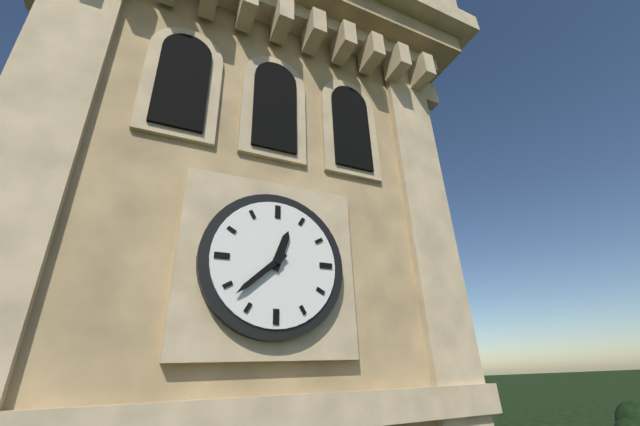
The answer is 12,38
